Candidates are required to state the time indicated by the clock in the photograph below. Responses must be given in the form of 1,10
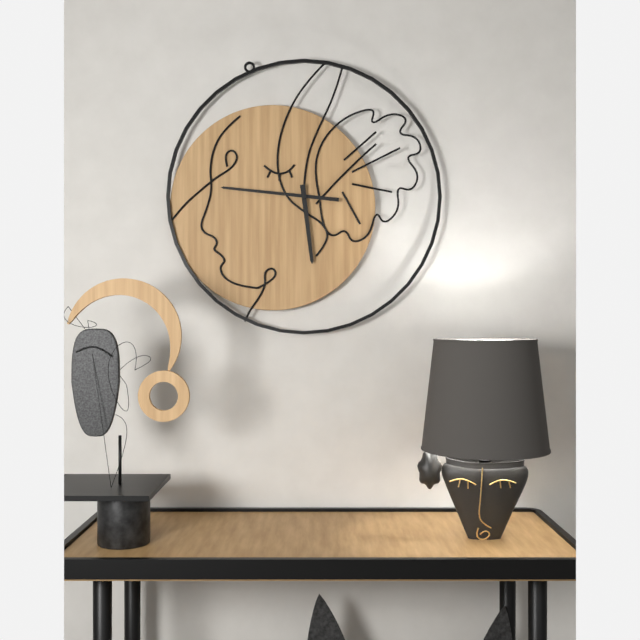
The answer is 5,46
